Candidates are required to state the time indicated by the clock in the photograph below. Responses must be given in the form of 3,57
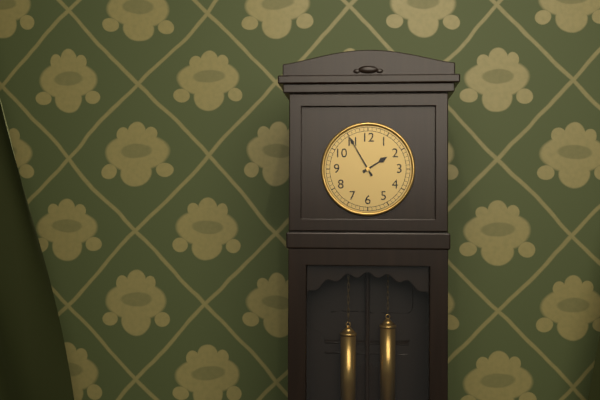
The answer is 1,55
